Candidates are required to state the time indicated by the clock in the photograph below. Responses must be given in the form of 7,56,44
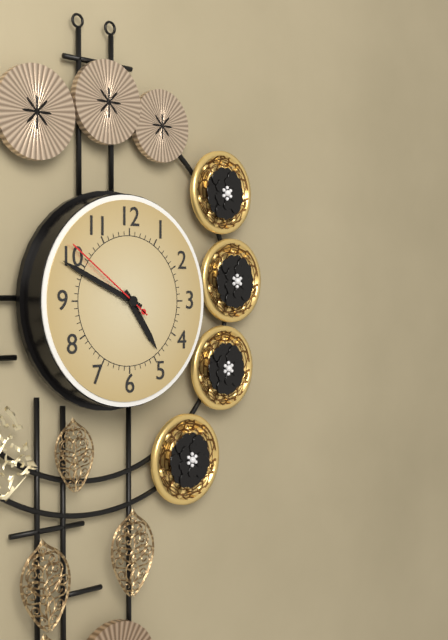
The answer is 4,49,51
